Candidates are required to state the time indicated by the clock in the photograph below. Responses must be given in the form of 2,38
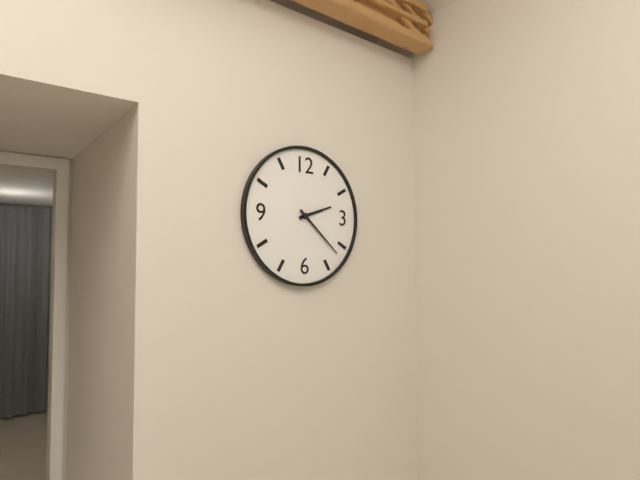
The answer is 2,22
